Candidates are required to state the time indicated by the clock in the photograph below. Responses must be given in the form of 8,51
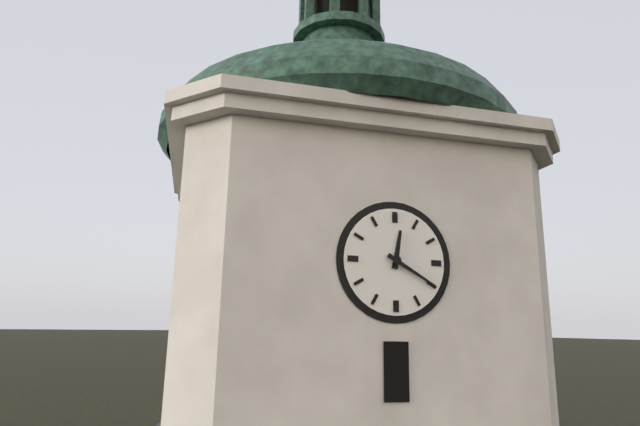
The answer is 12,20
